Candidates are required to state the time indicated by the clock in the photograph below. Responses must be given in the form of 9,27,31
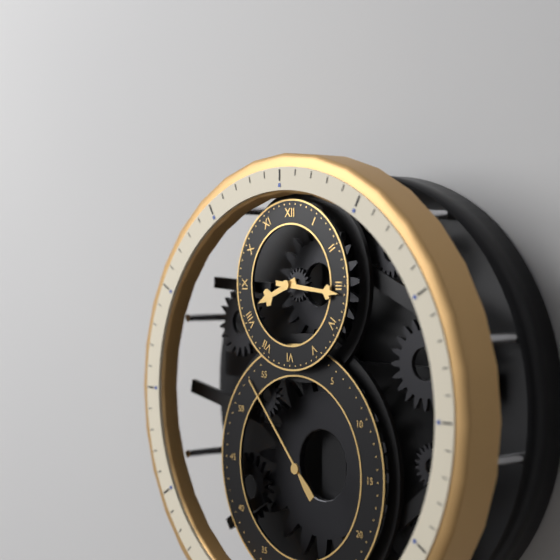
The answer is 8,16,53
